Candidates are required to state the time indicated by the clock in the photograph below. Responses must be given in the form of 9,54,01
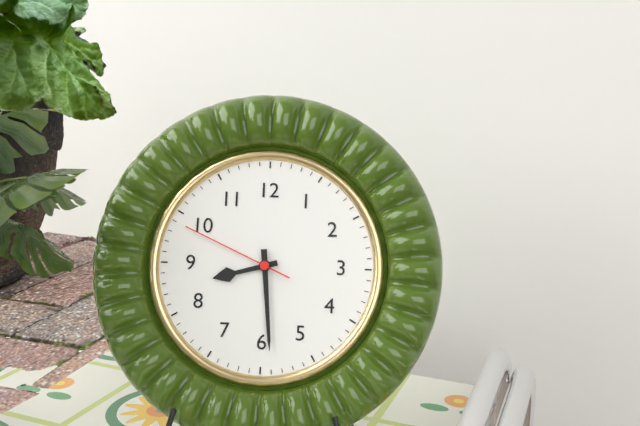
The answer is 8,29,49
